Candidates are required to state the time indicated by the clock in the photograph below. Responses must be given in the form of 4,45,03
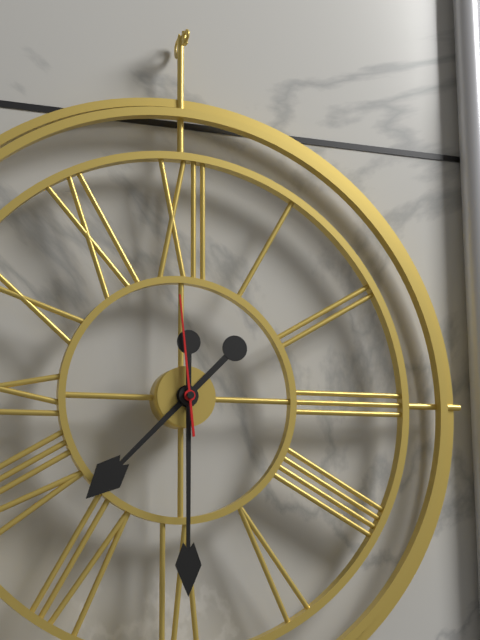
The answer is 7,30,59
